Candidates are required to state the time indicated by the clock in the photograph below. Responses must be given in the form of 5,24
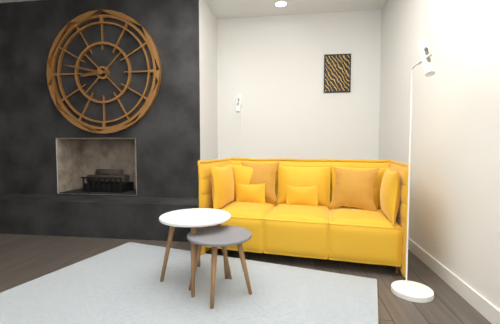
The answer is 8,47
